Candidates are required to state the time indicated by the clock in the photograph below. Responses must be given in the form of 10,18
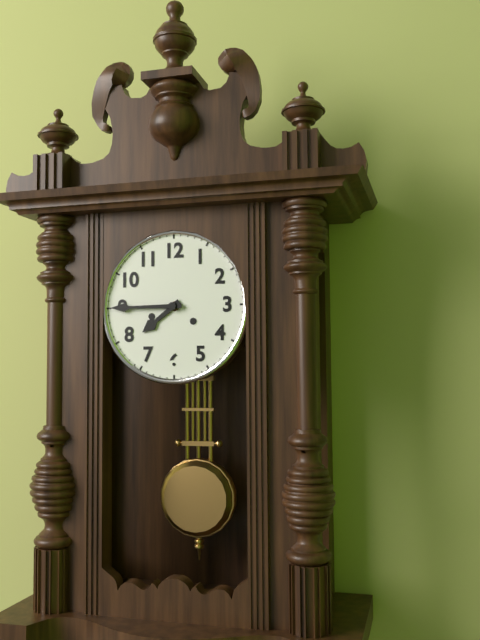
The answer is 7,45
